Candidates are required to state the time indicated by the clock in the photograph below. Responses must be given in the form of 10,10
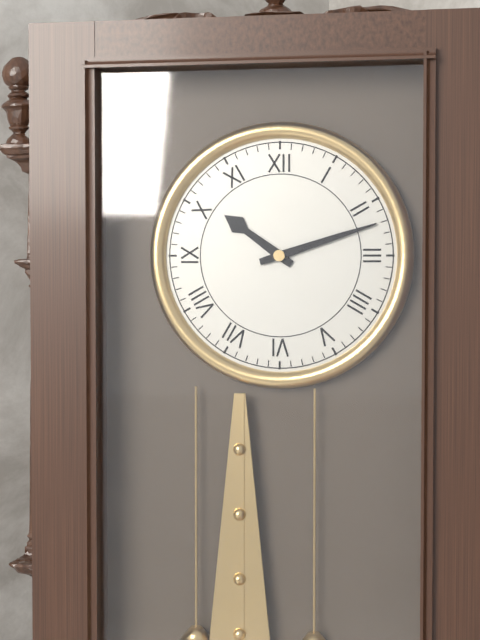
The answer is 10,12
